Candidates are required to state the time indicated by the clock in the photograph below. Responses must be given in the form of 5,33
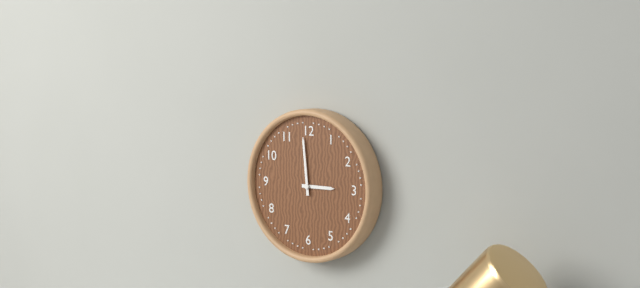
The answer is 2,59
